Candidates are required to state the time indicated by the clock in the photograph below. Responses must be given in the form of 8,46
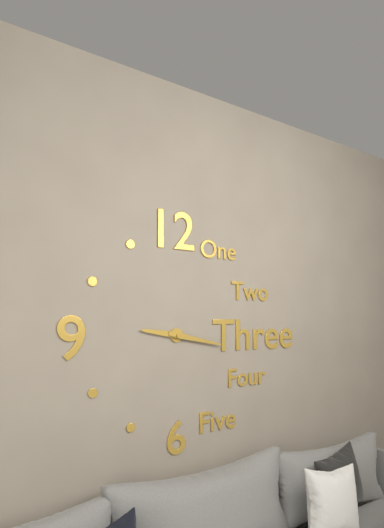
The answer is 9,17
